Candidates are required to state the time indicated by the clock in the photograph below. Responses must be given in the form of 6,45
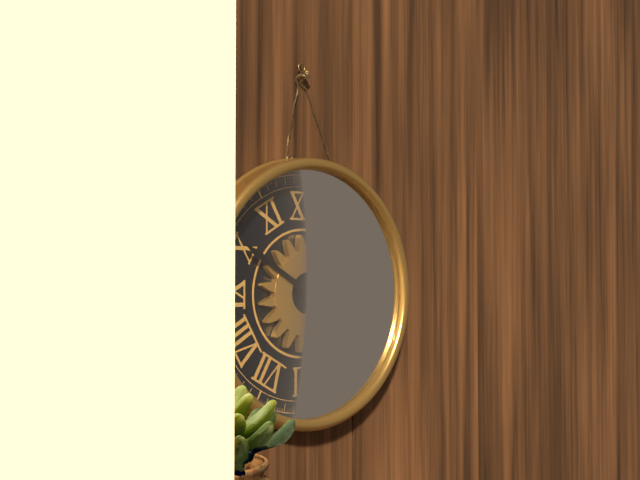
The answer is 5,50
